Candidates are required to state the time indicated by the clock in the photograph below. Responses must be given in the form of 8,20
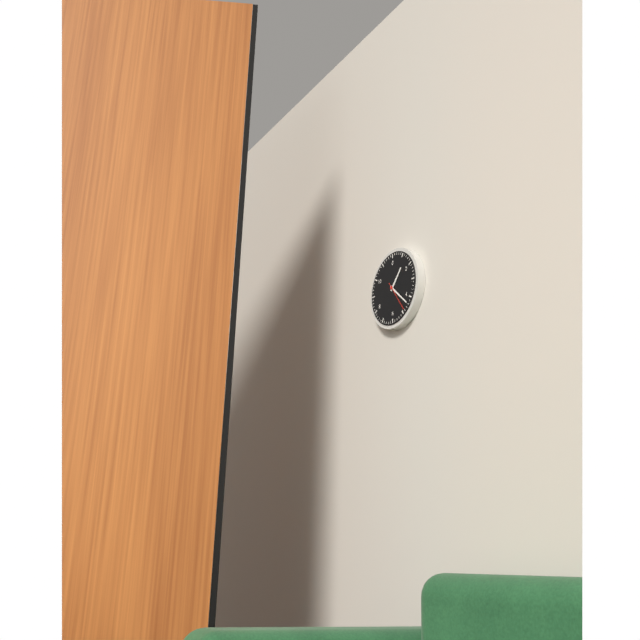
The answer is 1,22
